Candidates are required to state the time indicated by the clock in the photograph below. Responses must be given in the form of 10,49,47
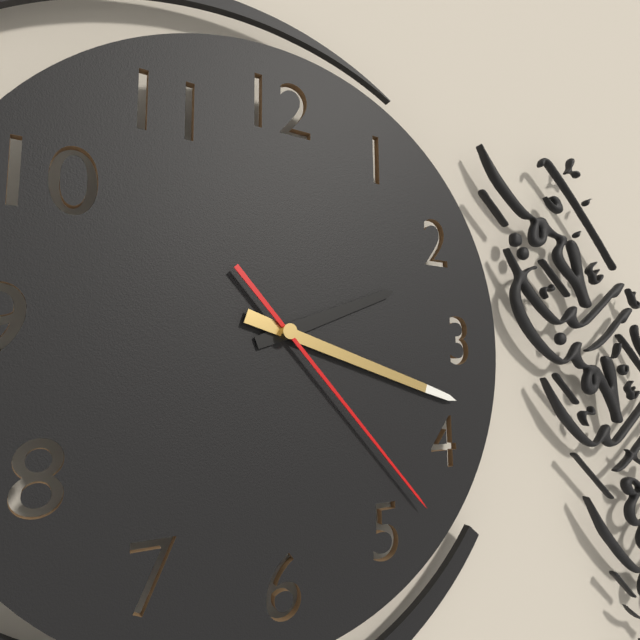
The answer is 2,18,23
